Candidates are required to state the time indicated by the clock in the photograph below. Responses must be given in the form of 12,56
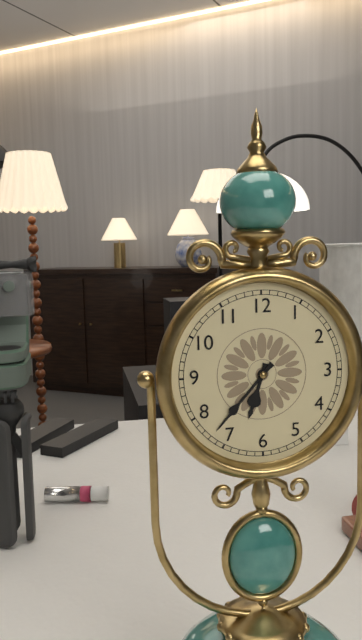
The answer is 6,37
